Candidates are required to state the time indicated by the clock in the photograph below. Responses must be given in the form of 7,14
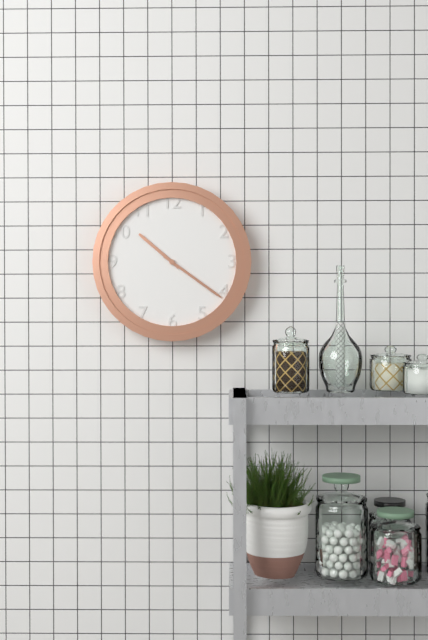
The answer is 10,21
